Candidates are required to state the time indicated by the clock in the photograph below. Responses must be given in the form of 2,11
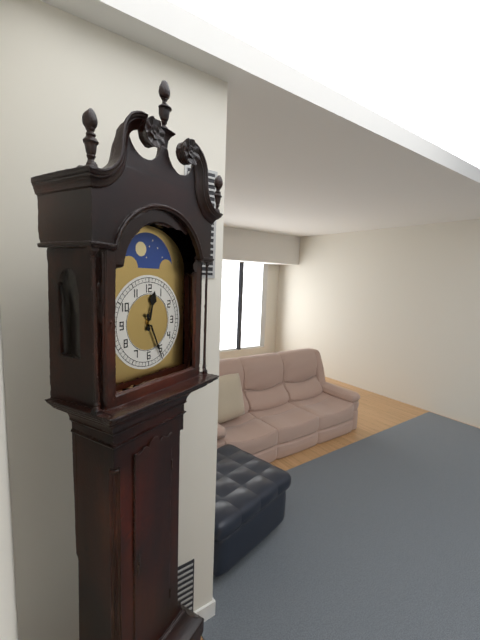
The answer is 12,26
